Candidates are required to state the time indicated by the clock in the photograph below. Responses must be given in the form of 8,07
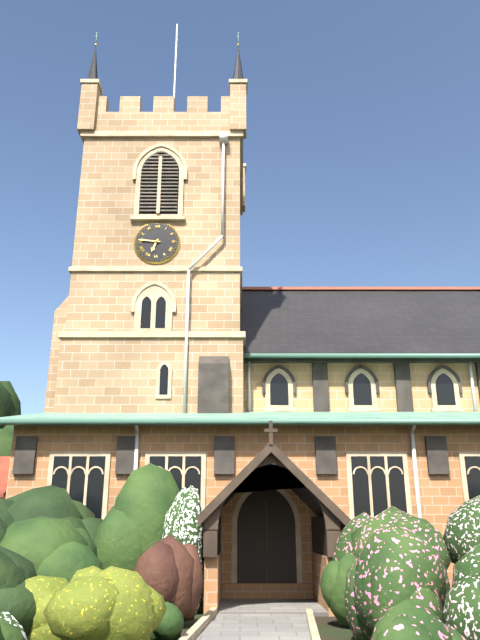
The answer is 6,46
